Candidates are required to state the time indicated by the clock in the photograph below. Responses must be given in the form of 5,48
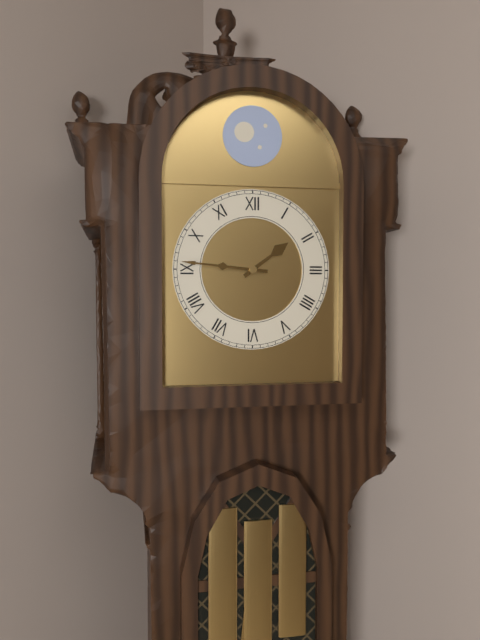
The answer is 1,46
